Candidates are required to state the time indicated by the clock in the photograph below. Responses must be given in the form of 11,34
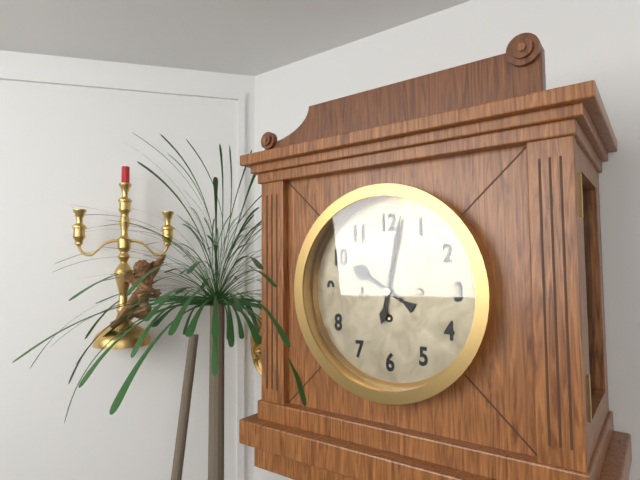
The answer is 10,02
